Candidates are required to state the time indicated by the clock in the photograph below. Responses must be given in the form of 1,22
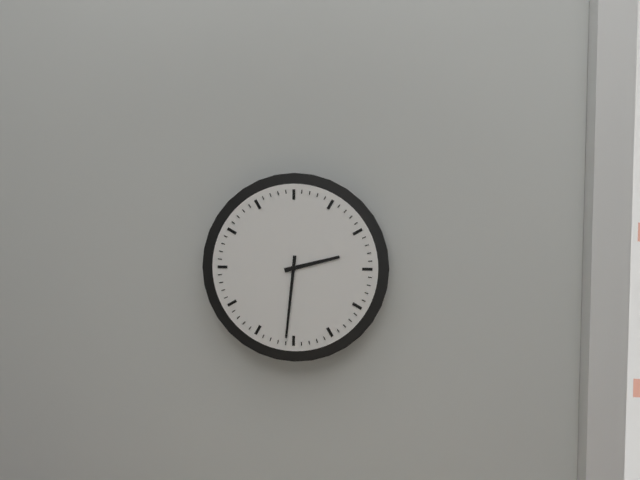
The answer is 2,31
